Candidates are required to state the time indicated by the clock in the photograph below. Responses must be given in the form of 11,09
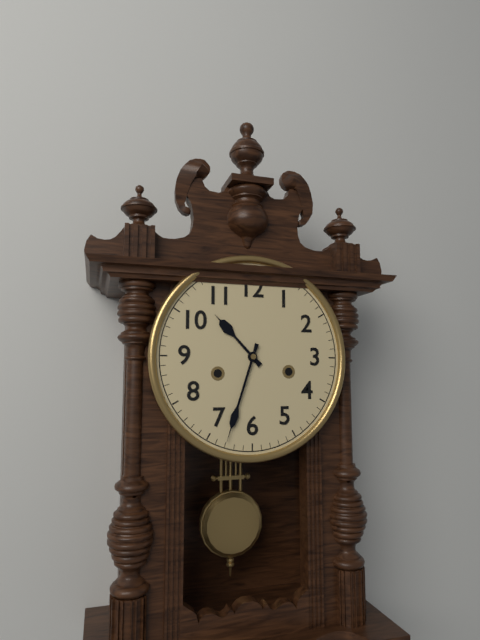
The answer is 10,33
